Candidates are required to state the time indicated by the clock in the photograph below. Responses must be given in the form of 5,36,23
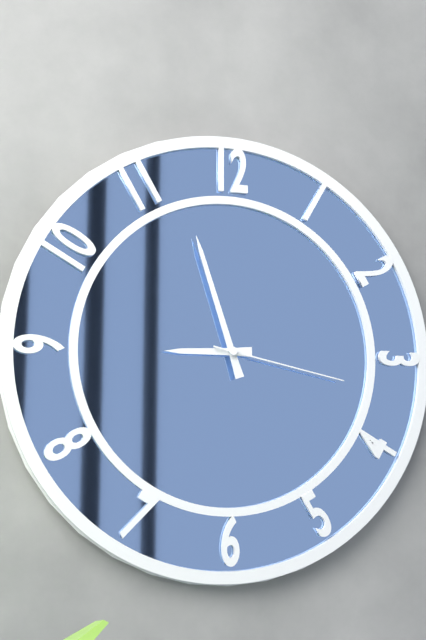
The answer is 8,57,17
